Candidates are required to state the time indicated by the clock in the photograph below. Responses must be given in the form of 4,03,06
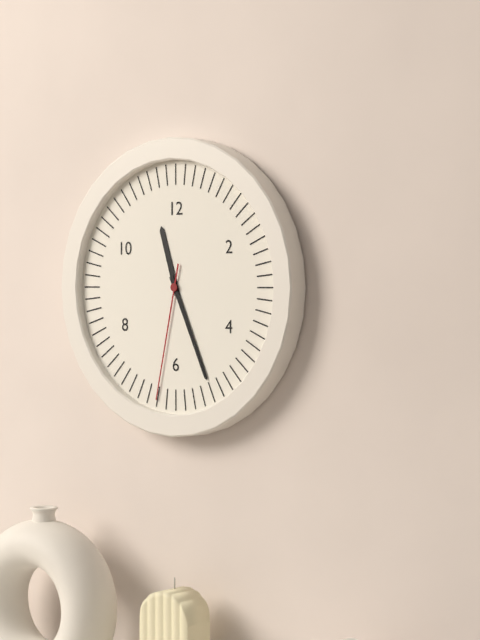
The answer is 11,26,32
